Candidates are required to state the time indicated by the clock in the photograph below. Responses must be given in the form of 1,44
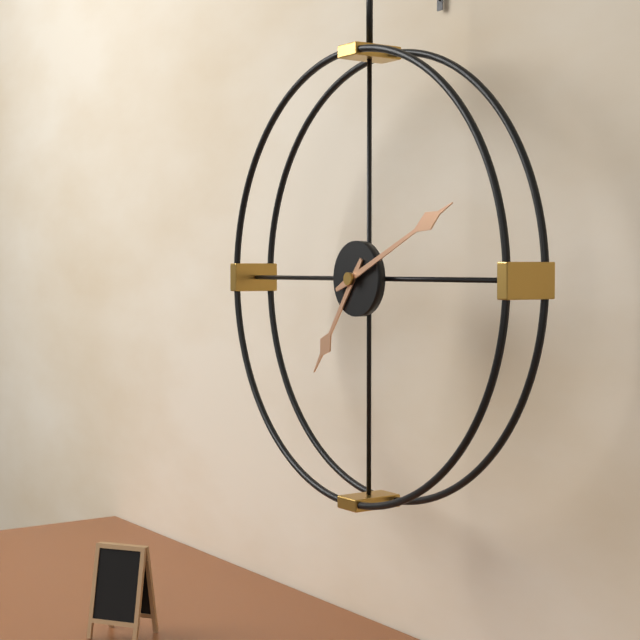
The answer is 7,11
